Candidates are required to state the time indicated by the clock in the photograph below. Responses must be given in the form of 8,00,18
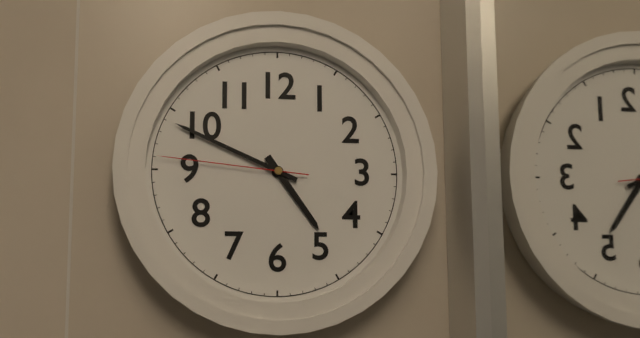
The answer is 4,49,46
